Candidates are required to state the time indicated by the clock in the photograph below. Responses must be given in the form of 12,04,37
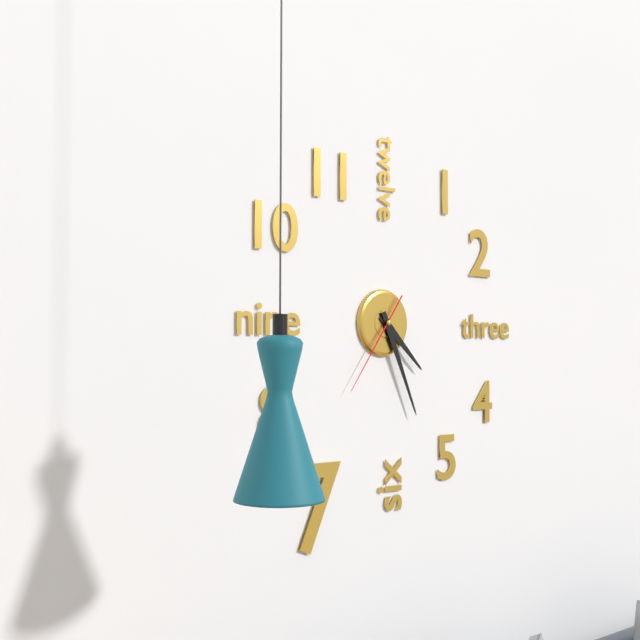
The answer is 4,26,36
